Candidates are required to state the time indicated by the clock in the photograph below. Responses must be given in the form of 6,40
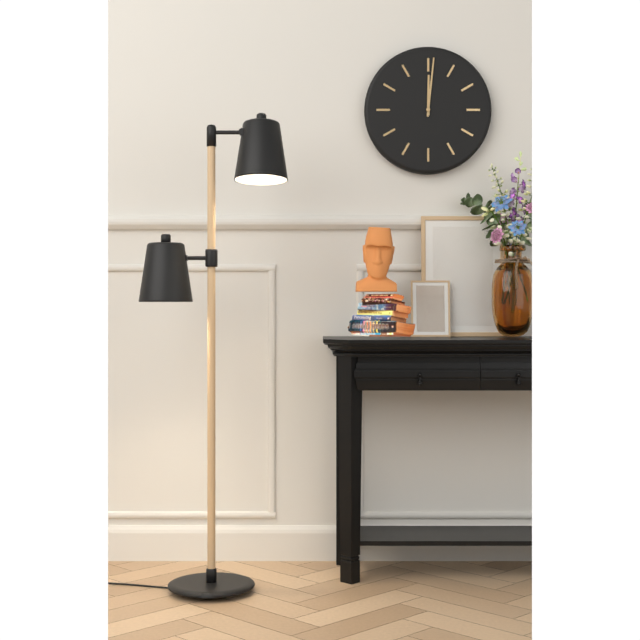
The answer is 12,01
